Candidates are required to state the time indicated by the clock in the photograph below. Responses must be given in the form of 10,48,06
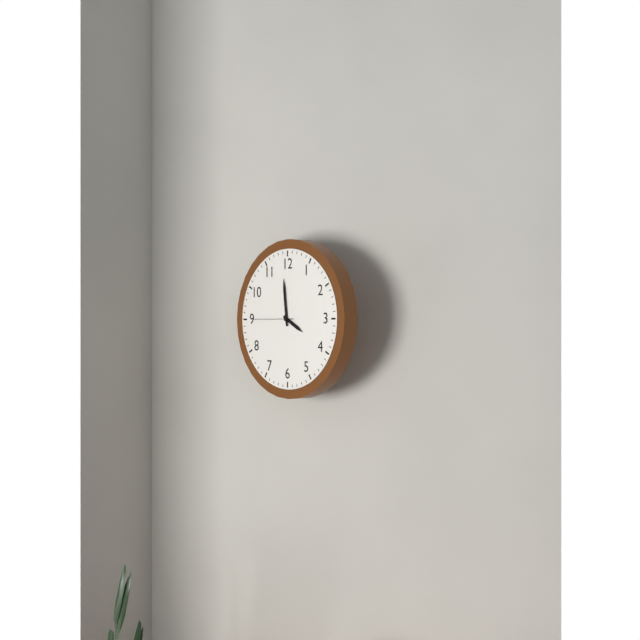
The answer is 3,59,45
